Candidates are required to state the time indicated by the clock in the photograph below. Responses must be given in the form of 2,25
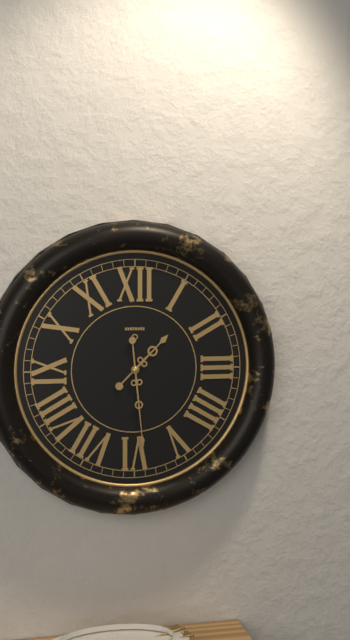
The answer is 1,29
